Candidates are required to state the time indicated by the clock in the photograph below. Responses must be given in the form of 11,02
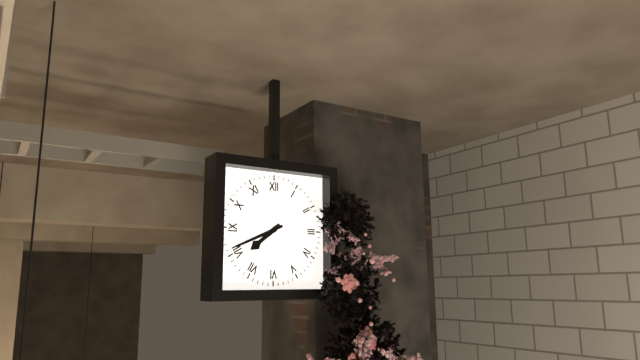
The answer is 7,41
